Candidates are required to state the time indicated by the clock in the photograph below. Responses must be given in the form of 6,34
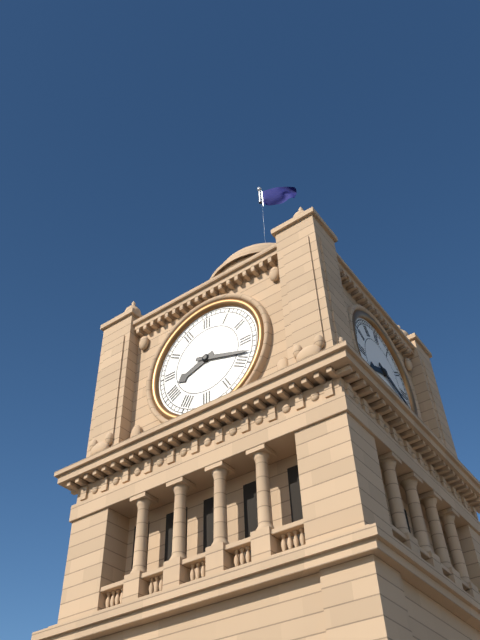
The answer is 8,18
